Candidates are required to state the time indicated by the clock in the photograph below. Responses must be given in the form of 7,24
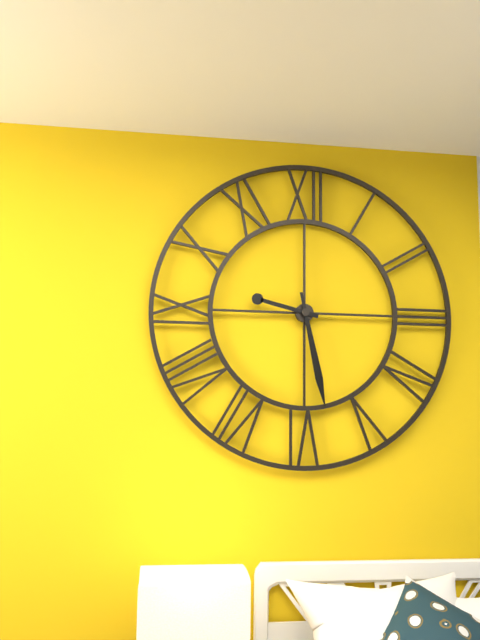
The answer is 9,28
